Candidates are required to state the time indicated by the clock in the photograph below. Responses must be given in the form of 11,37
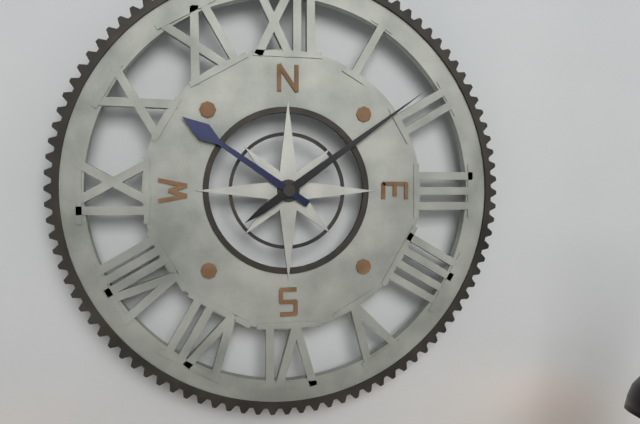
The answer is 10,09
